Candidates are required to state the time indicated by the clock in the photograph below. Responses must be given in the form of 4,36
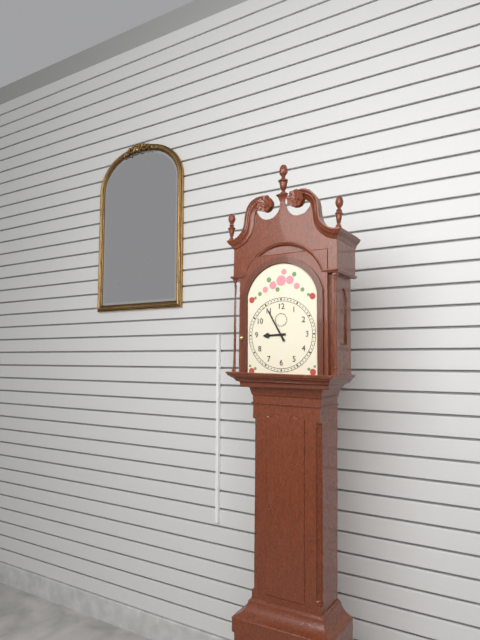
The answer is 8,55
